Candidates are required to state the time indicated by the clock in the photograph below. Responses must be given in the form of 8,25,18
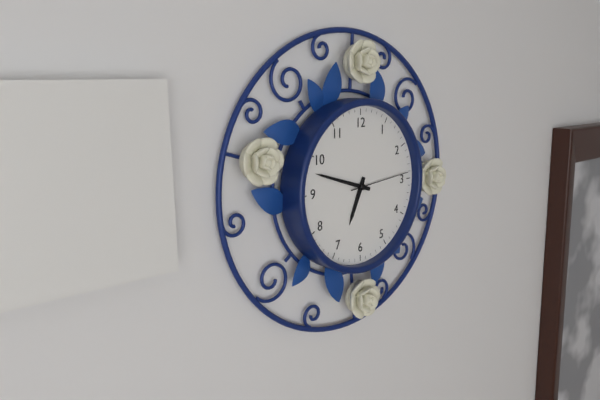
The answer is 6,48,14
